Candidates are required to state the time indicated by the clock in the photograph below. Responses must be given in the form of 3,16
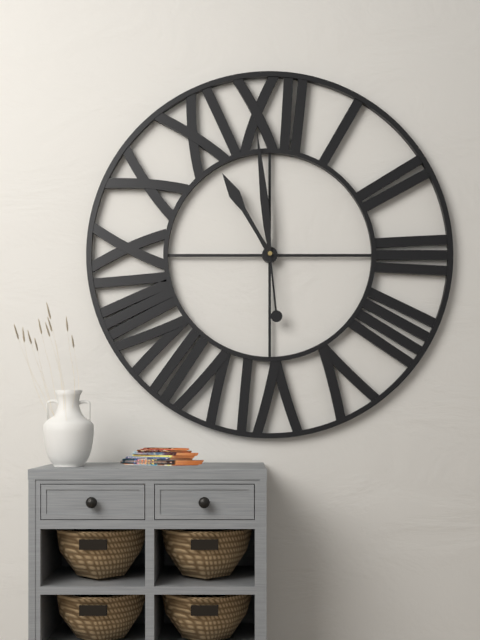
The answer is 10,59
